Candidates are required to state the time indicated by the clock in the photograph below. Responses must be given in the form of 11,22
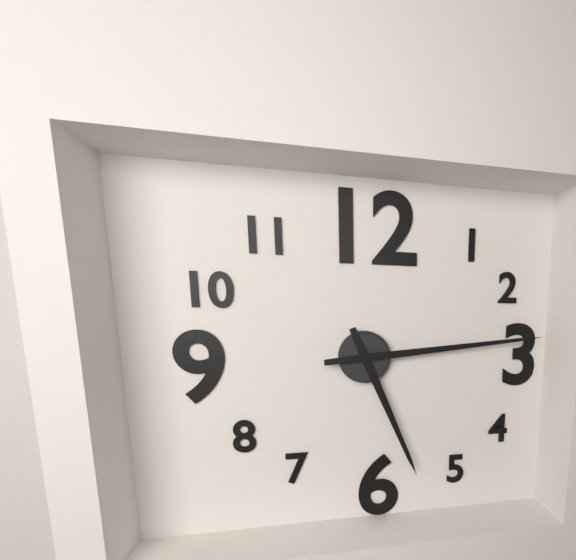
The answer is 5,14
